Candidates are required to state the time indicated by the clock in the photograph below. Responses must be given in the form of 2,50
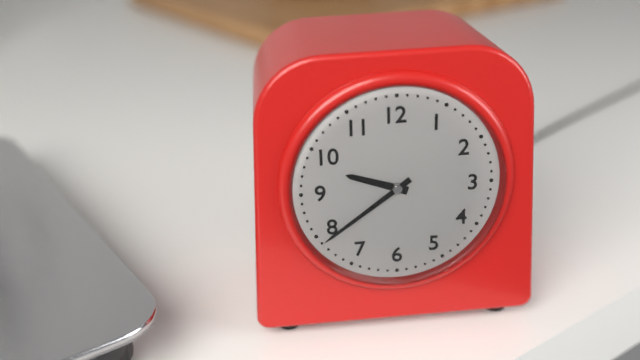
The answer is 9,39
